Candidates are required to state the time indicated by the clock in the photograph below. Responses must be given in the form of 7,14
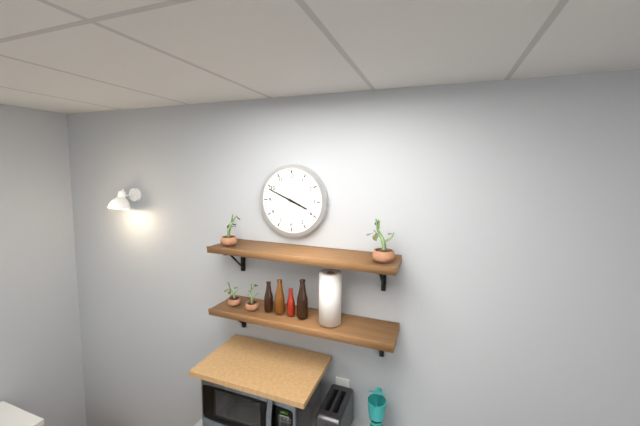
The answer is 3,49
